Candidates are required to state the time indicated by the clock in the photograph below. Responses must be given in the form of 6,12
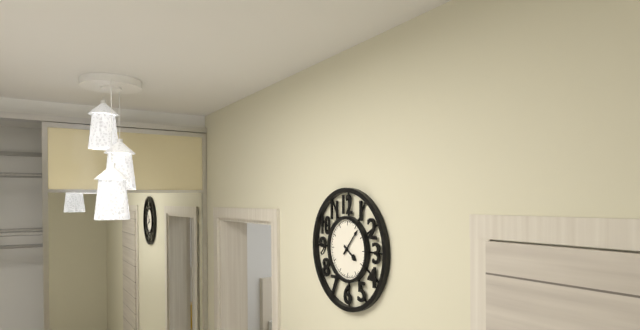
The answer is 4,07
